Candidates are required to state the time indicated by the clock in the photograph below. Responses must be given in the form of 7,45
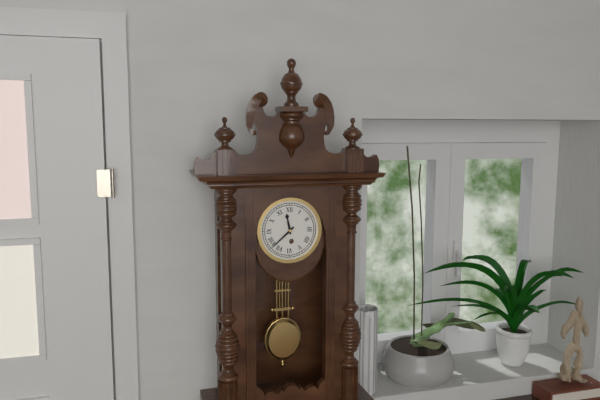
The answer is 11,38
